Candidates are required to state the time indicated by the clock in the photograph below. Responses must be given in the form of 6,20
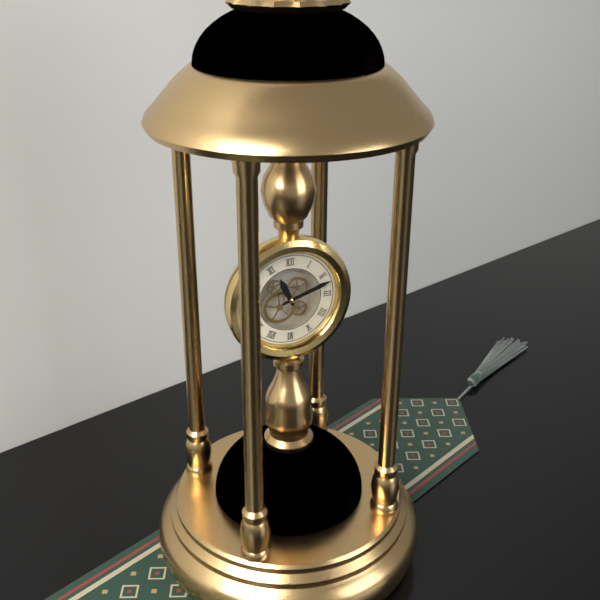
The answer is 11,12
